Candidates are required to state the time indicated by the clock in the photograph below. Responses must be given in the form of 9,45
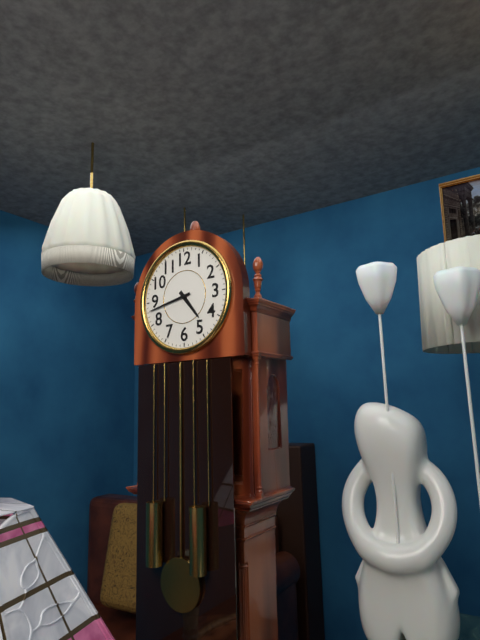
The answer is 4,43
